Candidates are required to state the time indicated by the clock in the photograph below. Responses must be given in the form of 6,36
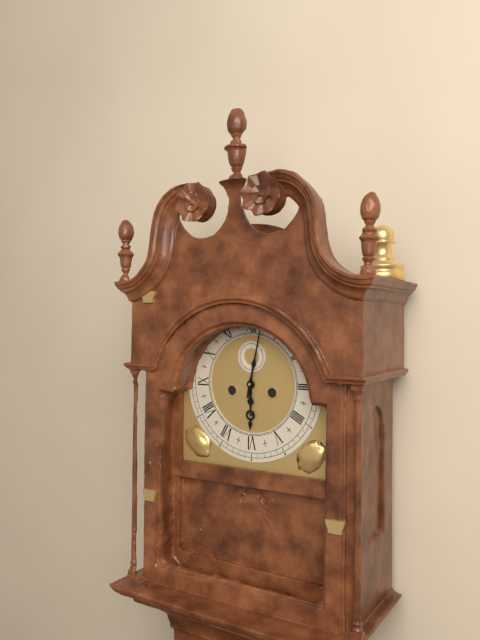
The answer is 6,02
